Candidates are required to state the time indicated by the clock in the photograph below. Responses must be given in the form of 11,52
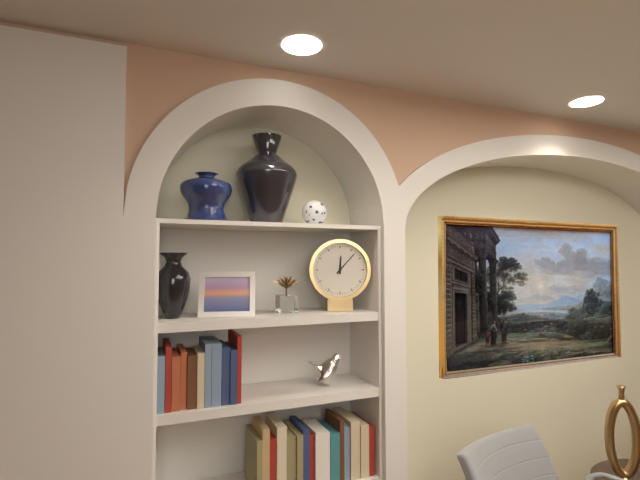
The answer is 12,07
